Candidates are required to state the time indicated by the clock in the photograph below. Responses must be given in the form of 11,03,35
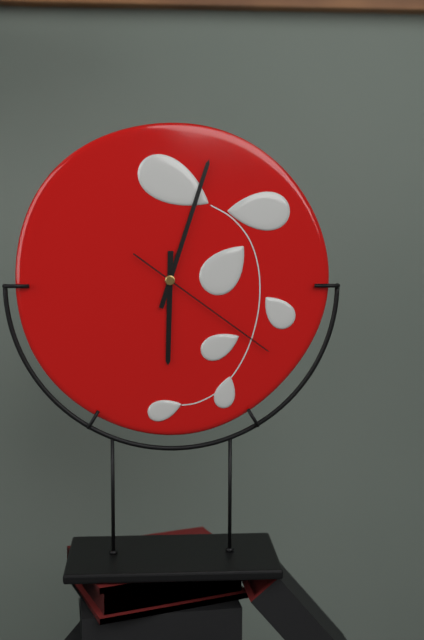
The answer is 6,03,21
